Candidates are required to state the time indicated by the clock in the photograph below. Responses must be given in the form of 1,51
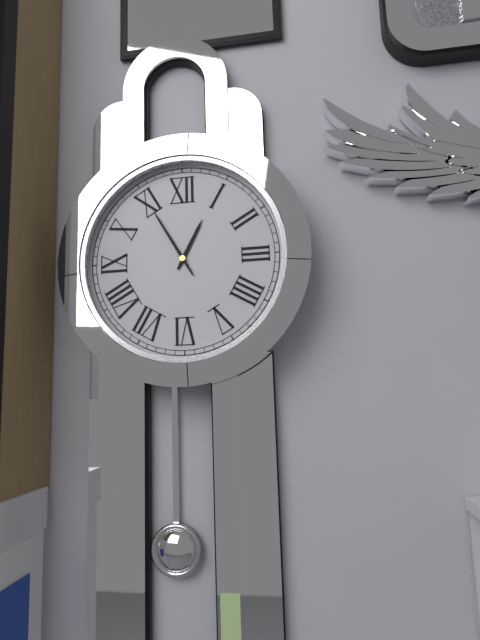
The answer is 12,55
